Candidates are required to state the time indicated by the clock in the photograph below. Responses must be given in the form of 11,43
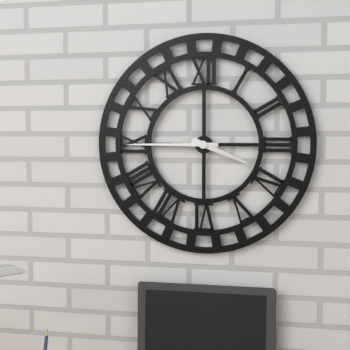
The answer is 3,45
